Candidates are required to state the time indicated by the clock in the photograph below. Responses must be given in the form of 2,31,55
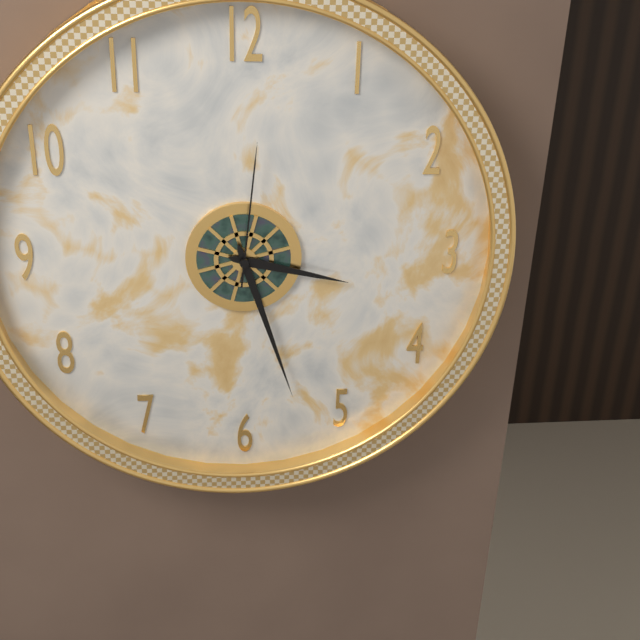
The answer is 3,27,01
